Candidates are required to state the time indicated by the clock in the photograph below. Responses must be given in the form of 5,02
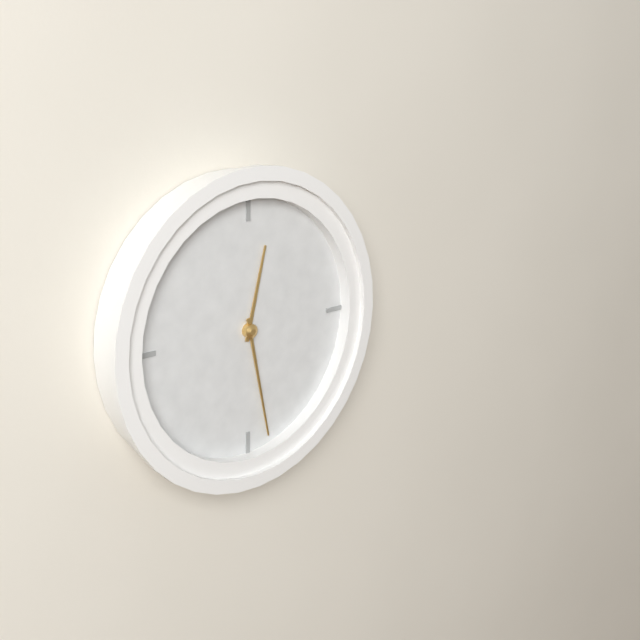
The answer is 12,28
